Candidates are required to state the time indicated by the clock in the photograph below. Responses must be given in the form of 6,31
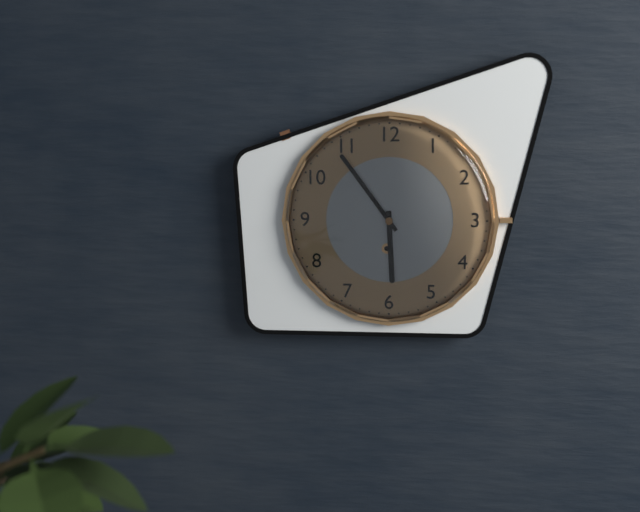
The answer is 5,54
